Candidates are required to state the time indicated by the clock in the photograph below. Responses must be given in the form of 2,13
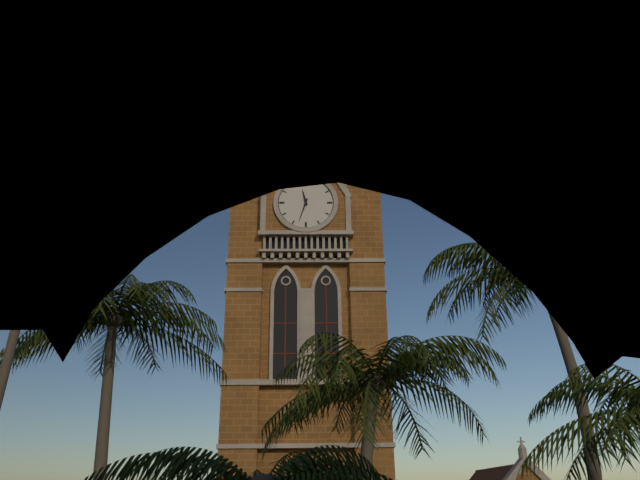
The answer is 11,33
